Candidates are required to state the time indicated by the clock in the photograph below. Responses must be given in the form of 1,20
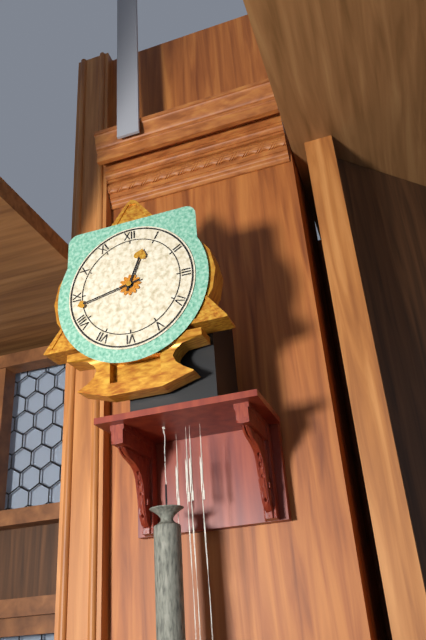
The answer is 12,43
